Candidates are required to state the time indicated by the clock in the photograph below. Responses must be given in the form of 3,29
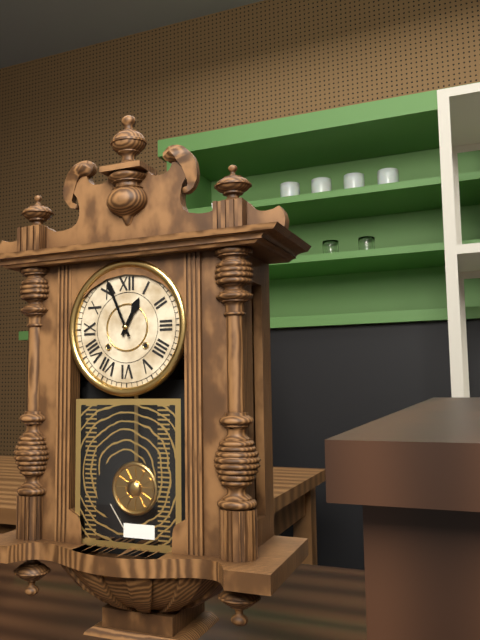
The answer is 12,56
